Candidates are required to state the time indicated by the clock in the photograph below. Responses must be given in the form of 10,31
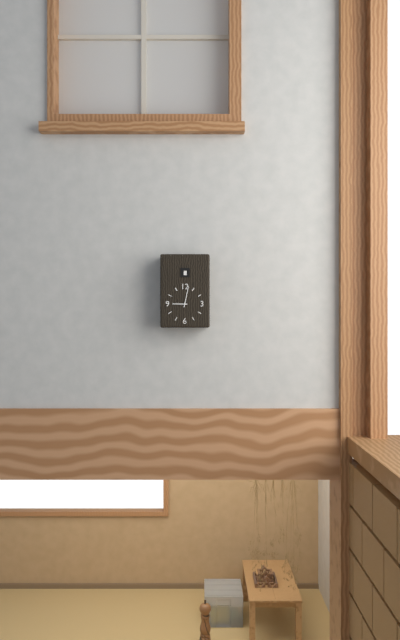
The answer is 9,02
